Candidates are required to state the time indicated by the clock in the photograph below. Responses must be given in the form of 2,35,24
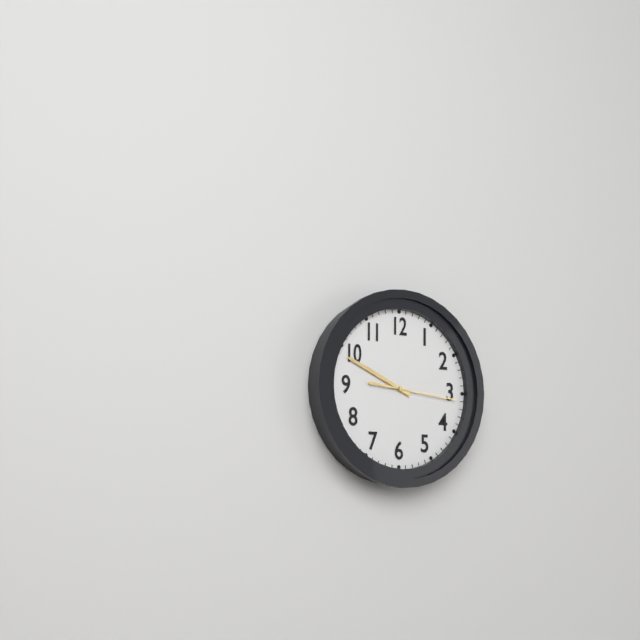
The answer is 9,49,16
